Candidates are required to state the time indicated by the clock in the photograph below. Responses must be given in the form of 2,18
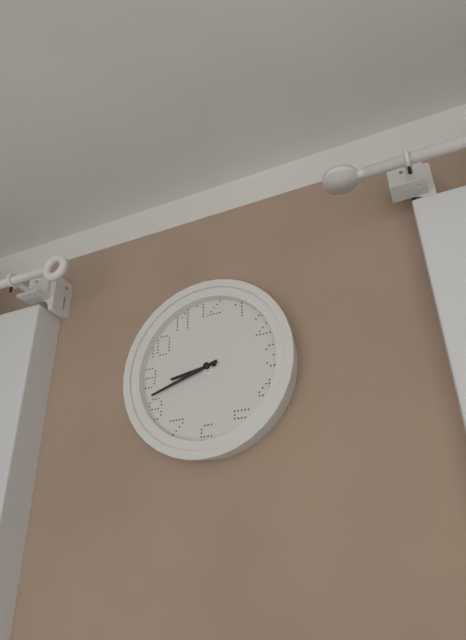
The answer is 8,42
